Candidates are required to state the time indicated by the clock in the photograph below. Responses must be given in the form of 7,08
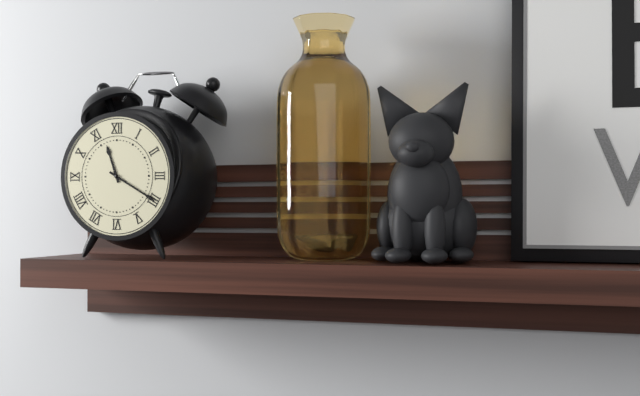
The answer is 11,20
